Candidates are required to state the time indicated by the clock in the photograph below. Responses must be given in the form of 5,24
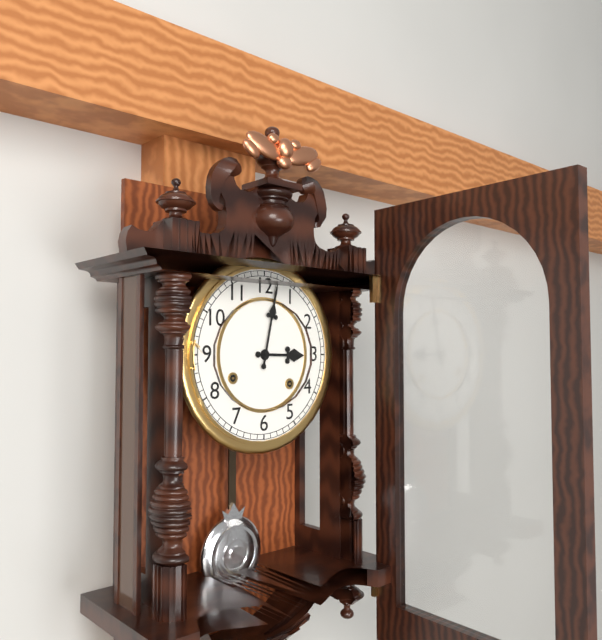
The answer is 3,02
